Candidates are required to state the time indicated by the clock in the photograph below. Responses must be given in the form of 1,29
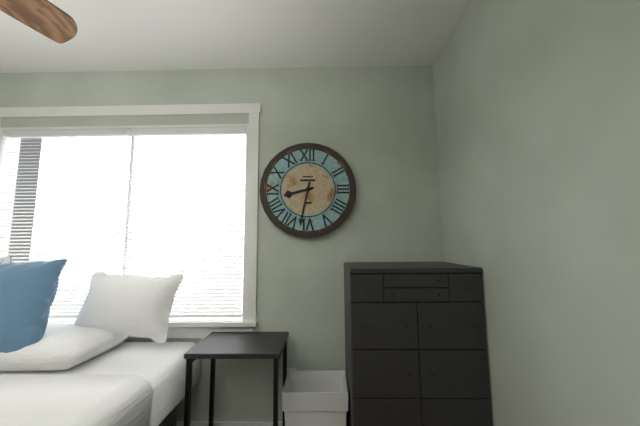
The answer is 8,32
